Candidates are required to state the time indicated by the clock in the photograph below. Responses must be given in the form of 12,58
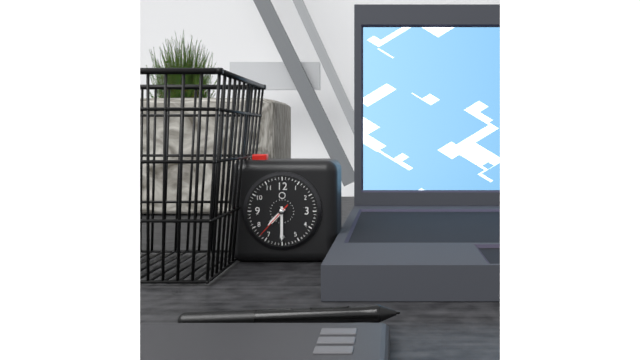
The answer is 7,30
